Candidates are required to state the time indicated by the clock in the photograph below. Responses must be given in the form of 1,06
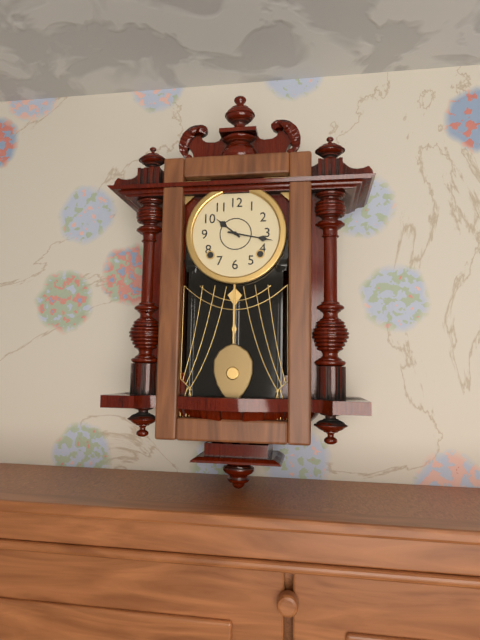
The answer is 10,17
